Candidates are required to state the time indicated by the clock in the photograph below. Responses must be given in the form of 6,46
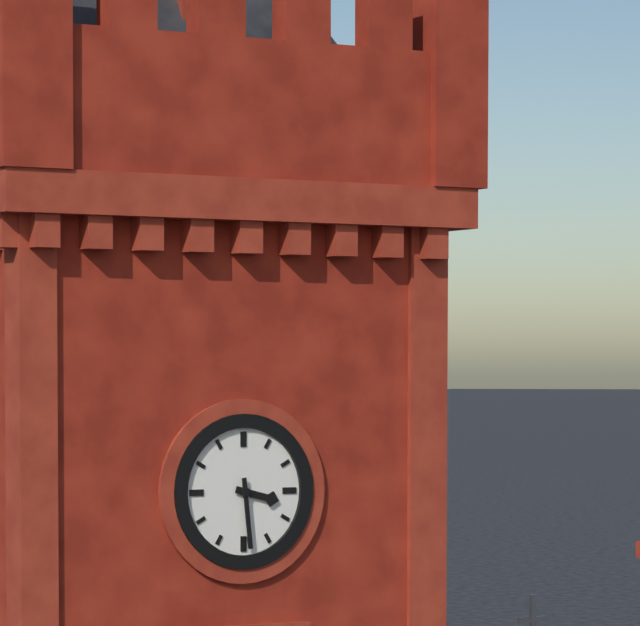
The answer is 3,29
